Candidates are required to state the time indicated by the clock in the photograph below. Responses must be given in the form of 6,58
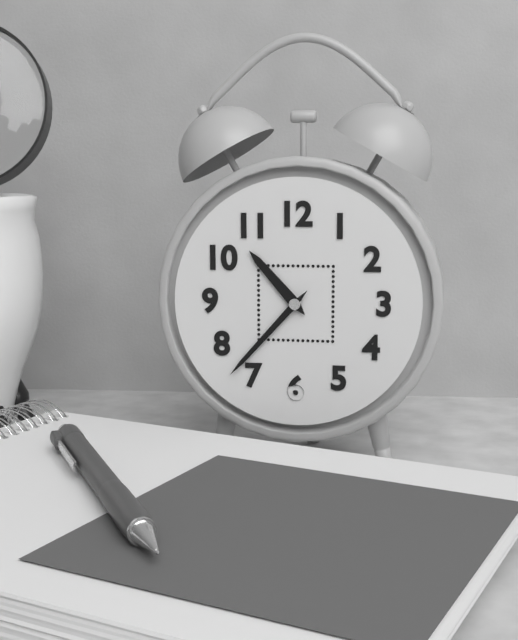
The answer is 10,37
